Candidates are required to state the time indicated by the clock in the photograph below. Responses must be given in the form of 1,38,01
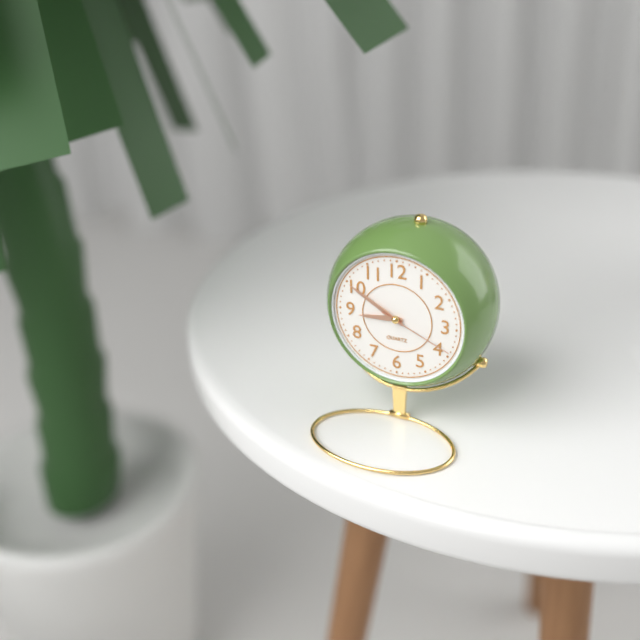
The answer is 8,50,19
